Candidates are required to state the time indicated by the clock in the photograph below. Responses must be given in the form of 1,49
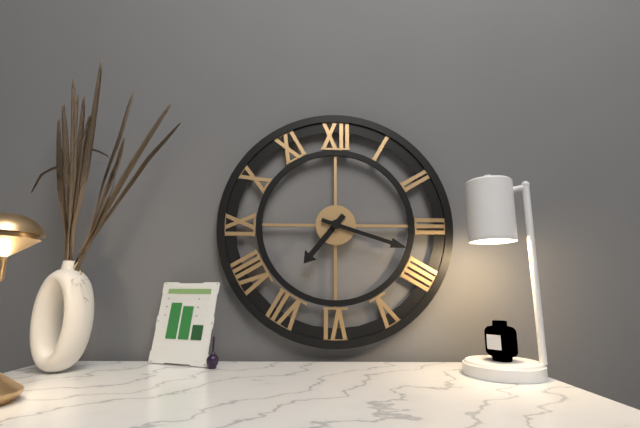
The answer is 7,18
